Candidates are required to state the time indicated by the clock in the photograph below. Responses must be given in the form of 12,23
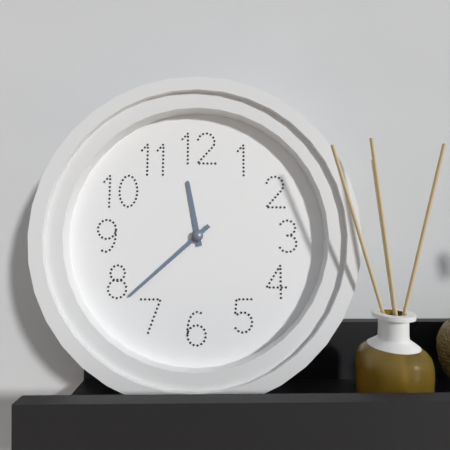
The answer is 11,38
